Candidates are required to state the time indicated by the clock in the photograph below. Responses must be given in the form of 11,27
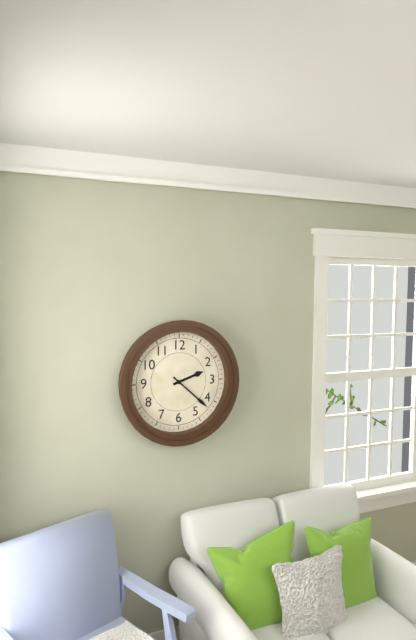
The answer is 2,22
